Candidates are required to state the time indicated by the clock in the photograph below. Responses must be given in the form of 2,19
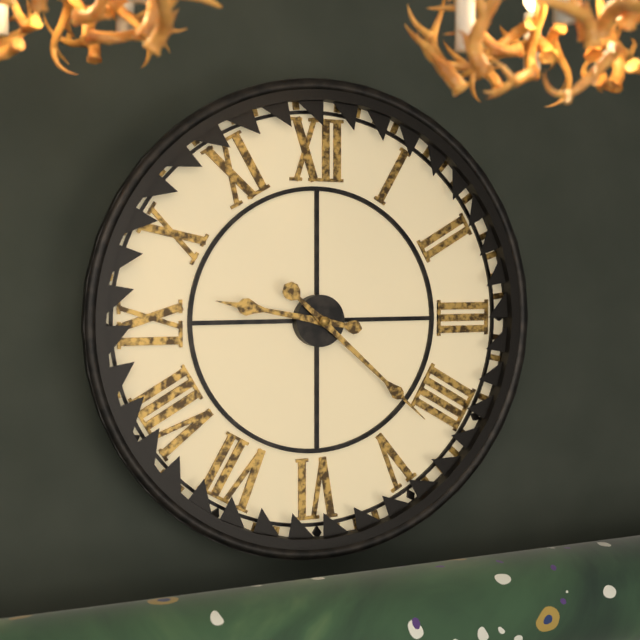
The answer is 9,22
